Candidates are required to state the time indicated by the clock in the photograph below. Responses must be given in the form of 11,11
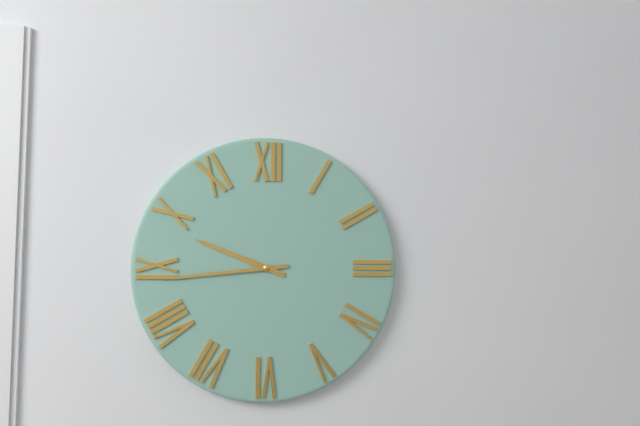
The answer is 9,44
